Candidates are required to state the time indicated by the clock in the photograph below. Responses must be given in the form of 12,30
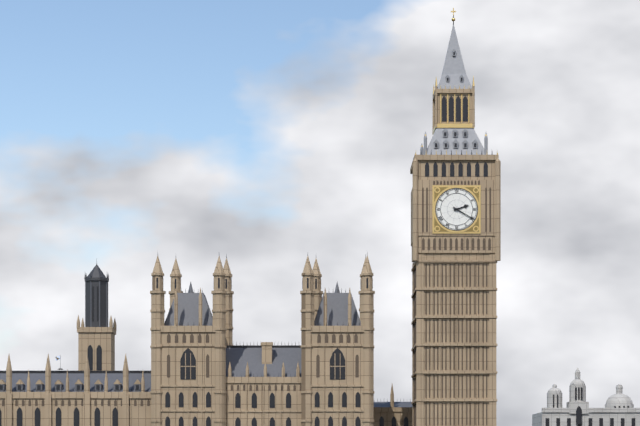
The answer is 2,20
